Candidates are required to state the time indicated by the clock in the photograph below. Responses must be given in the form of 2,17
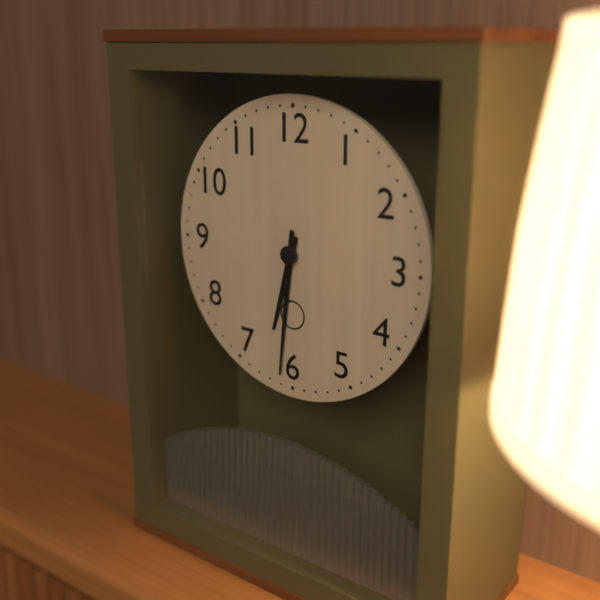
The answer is 6,31
